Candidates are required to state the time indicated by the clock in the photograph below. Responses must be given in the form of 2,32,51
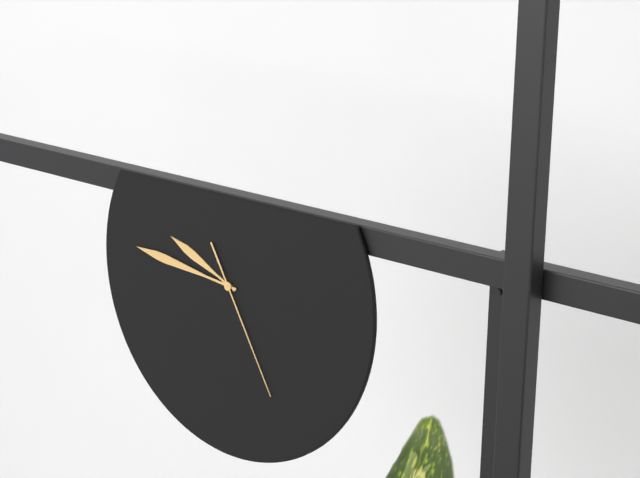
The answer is 9,46,25
